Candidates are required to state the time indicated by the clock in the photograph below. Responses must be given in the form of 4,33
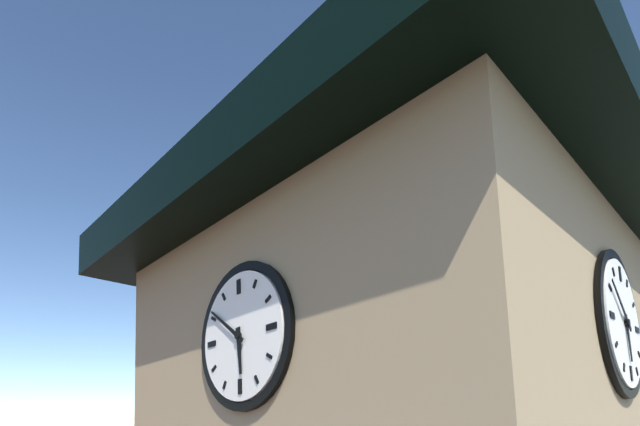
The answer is 5,51
